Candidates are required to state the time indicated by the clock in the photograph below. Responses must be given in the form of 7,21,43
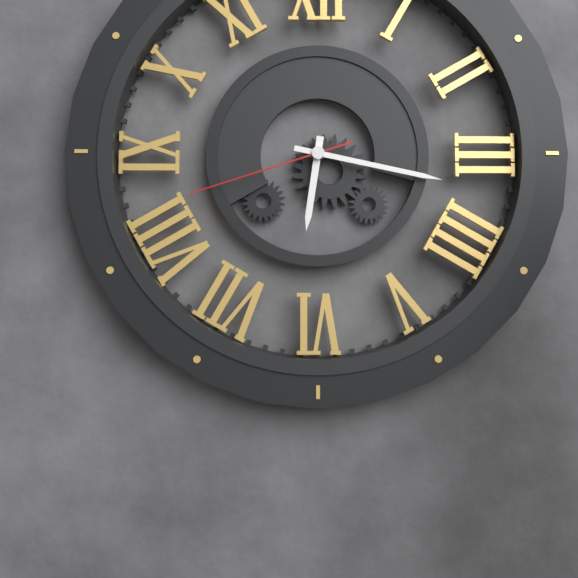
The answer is 6,17,42
